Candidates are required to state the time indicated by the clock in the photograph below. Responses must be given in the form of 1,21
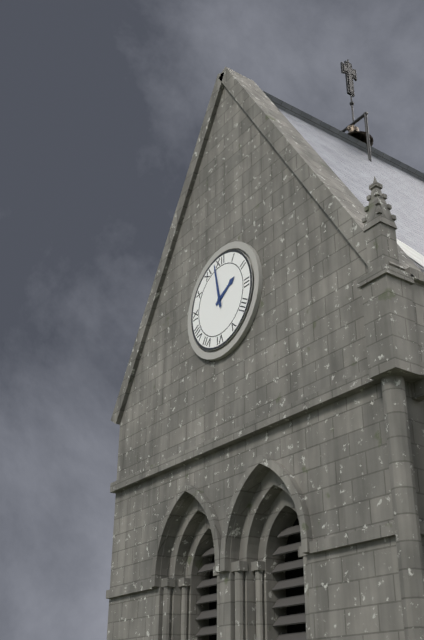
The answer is 1,58
